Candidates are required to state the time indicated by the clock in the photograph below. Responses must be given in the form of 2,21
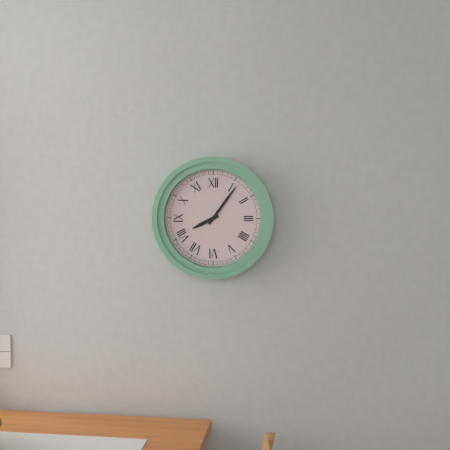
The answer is 8,06
